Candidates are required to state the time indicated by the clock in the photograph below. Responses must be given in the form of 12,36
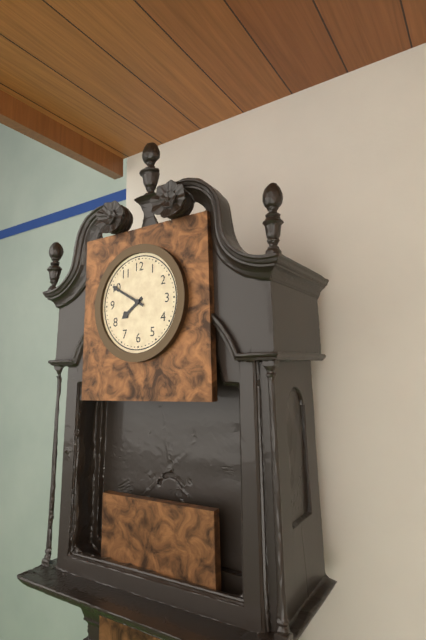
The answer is 7,50
